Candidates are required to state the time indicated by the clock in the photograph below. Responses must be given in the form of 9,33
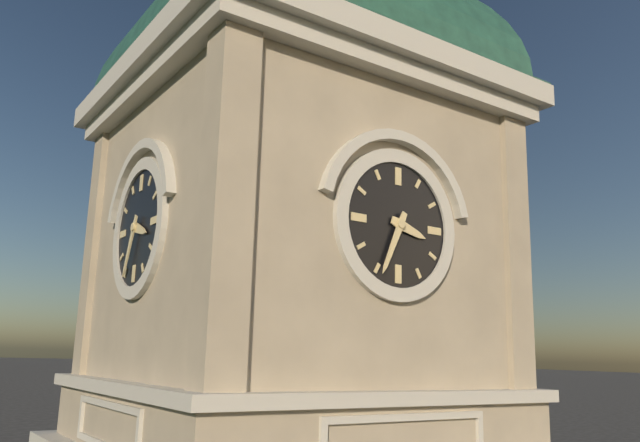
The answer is 3,34
